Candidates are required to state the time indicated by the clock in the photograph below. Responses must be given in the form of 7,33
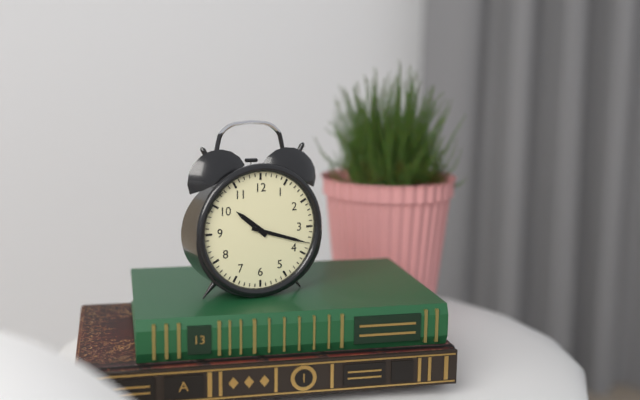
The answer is 10,18
